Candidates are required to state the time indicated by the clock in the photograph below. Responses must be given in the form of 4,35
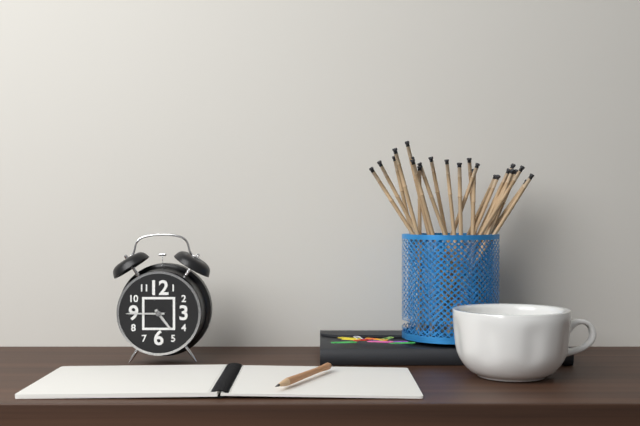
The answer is 4,45
